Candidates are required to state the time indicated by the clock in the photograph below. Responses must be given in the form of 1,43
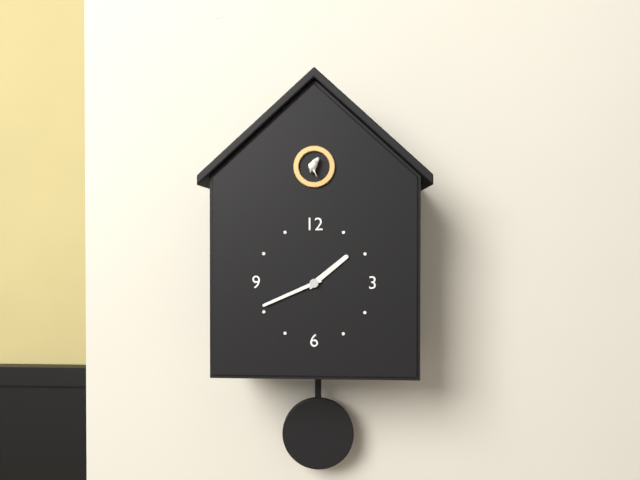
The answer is 1,41
